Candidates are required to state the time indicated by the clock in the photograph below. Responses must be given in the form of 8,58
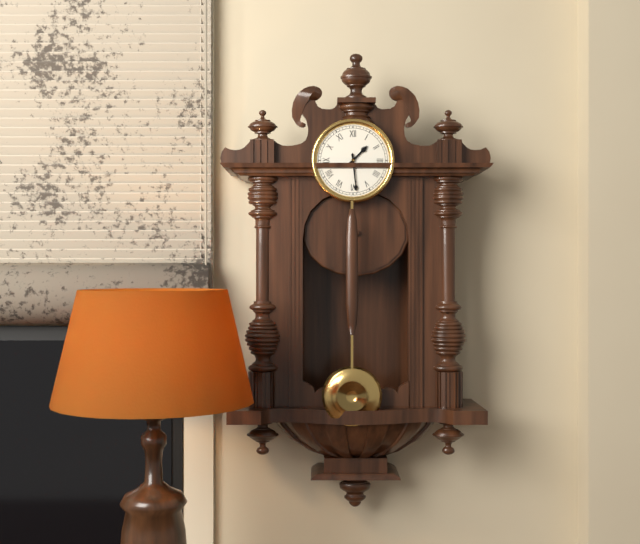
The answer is 1,29
